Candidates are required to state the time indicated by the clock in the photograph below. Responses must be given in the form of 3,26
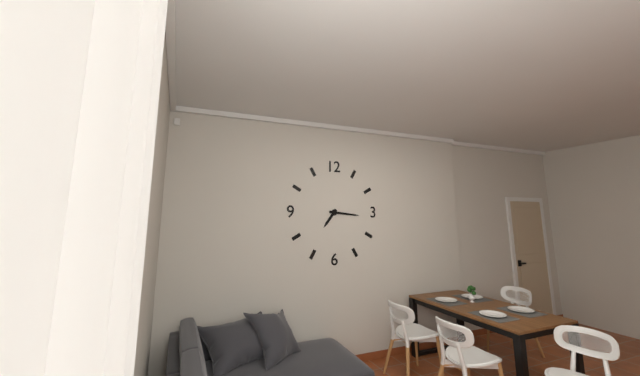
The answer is 7,16
